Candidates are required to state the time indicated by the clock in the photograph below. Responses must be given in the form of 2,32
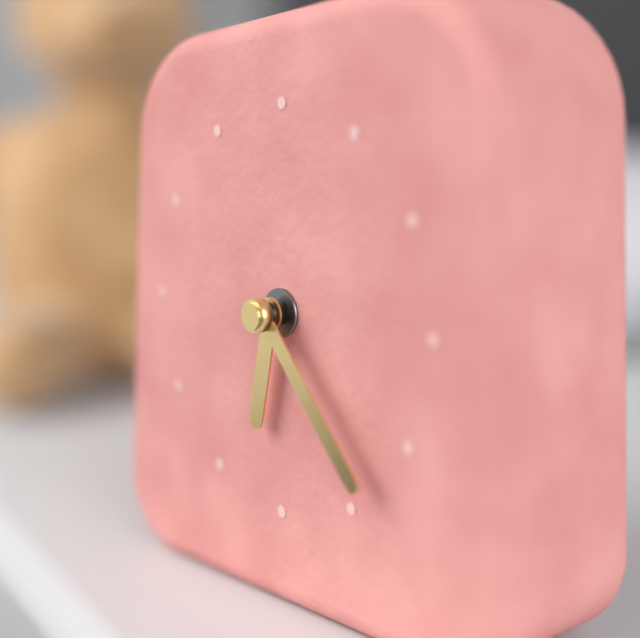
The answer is 6,23
